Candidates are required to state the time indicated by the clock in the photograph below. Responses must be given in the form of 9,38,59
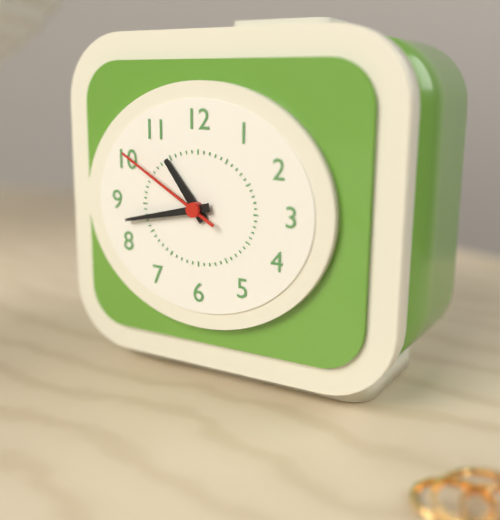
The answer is 10,43,50
